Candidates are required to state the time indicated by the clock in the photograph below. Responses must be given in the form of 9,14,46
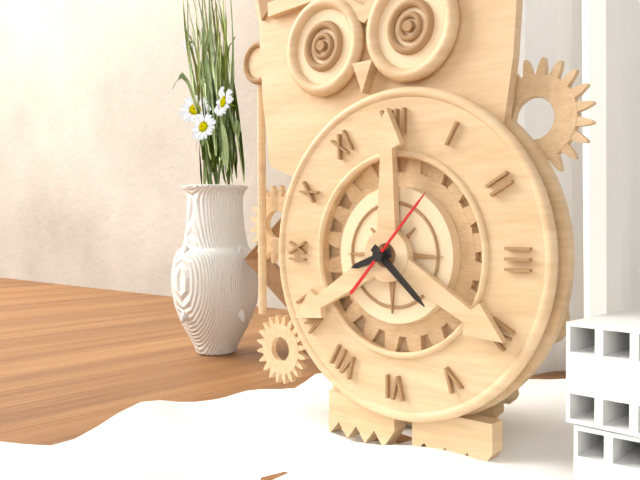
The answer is 8,22,07
